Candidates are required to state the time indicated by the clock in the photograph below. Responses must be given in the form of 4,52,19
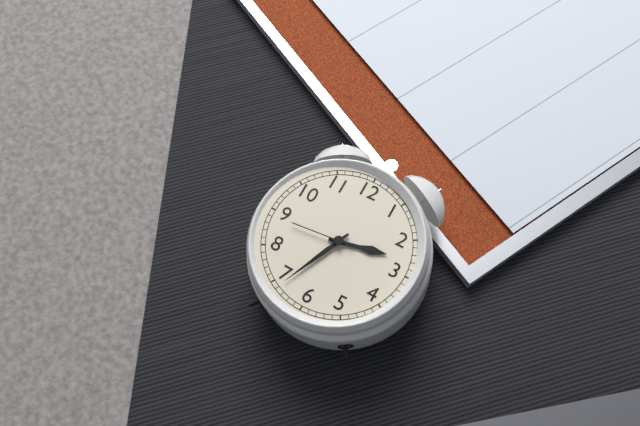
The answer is 2,34,44
